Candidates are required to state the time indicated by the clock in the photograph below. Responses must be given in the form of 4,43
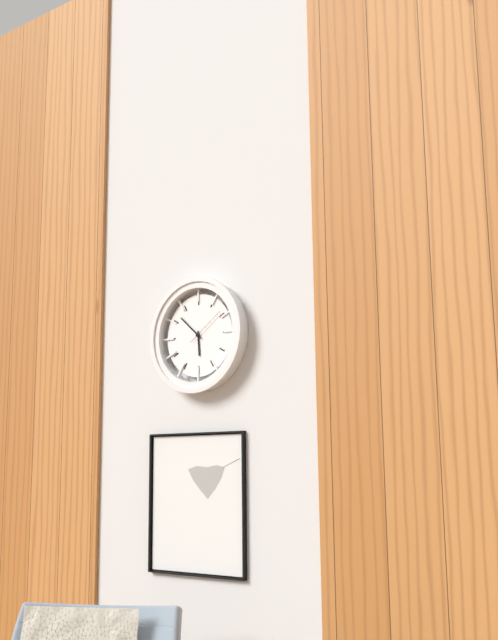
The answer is 5,52
